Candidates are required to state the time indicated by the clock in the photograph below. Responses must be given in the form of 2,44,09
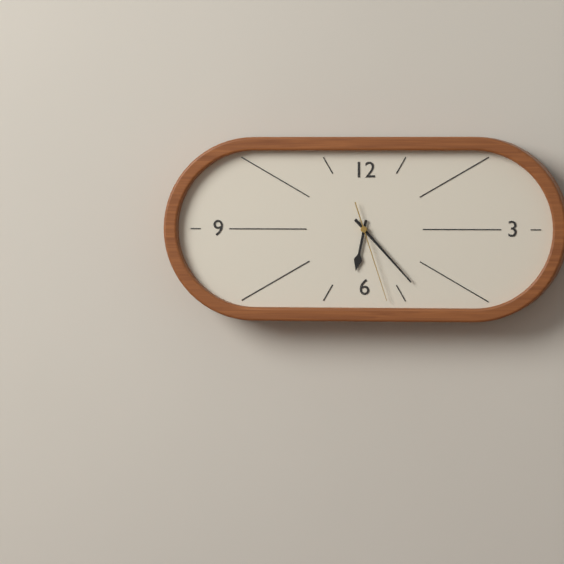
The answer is 6,23,27
